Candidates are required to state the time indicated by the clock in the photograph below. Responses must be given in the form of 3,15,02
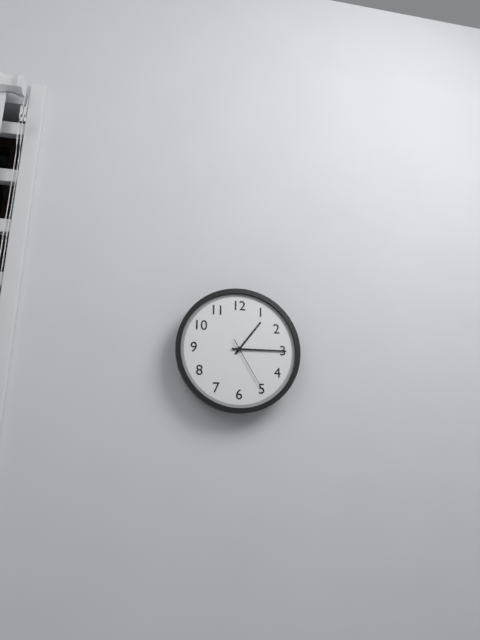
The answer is 1,15,25
